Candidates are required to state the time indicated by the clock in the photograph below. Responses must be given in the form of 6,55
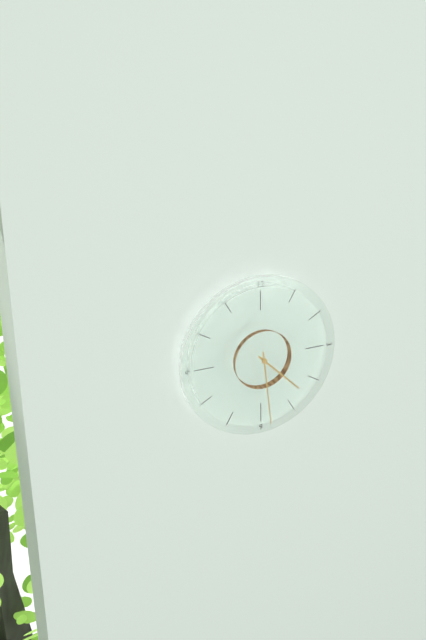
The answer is 4,29
